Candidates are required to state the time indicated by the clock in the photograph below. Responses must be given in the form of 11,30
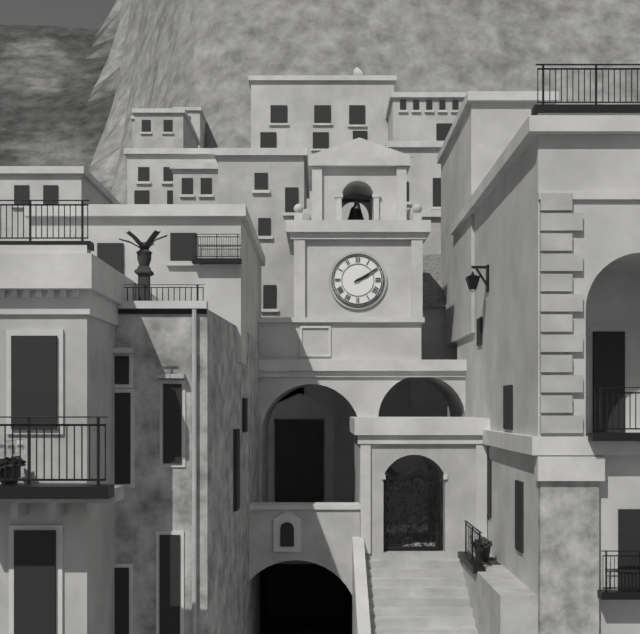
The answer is 2,10
